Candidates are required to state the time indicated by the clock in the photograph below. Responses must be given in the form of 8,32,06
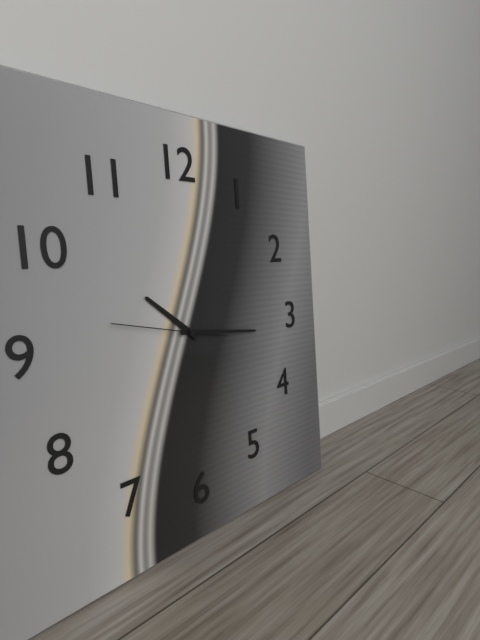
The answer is 10,16,47
